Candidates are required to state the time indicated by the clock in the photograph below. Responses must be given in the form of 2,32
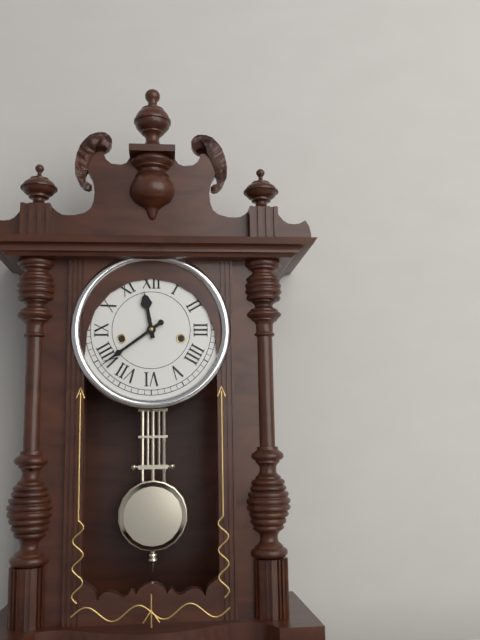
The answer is 11,39
